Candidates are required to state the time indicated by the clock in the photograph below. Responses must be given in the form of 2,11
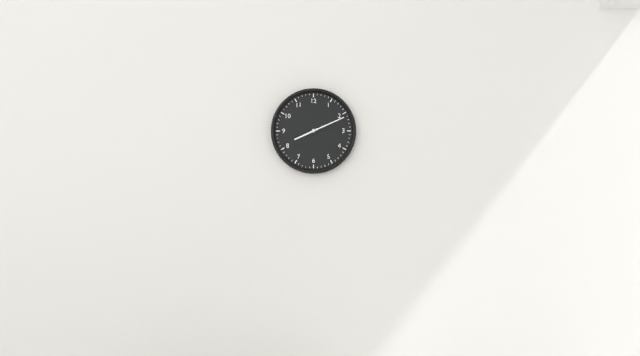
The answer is 8,11
